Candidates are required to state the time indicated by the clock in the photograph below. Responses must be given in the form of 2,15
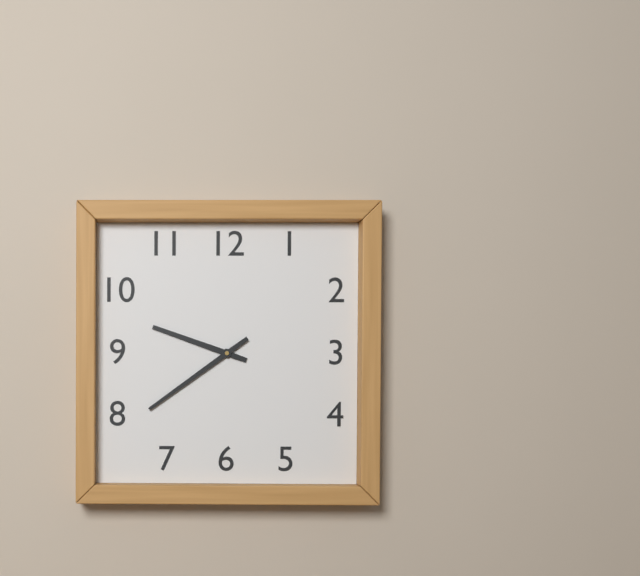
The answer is 9,39
